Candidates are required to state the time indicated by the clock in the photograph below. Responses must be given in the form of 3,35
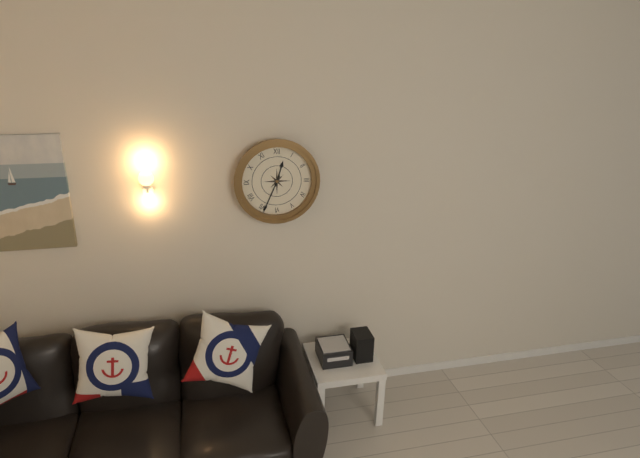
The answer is 12,34
